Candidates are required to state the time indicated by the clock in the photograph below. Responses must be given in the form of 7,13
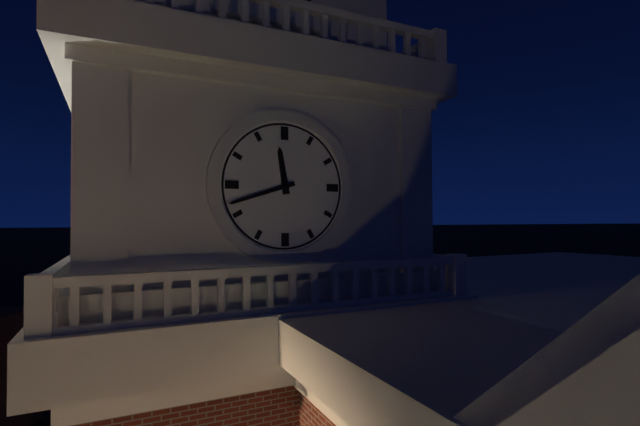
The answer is 11,42
